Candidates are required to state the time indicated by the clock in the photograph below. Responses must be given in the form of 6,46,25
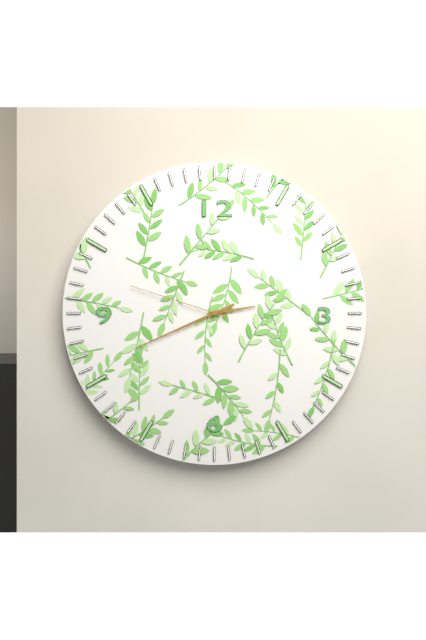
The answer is 2,41,48
